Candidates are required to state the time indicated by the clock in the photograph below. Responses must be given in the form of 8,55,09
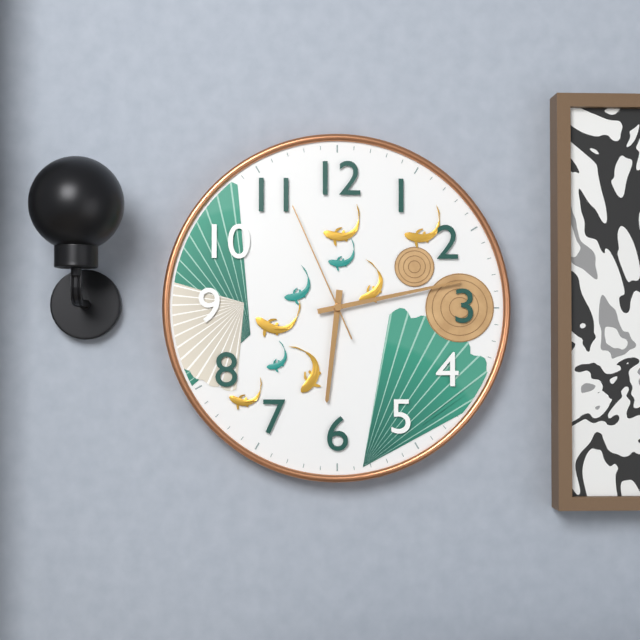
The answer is 6,13,56
